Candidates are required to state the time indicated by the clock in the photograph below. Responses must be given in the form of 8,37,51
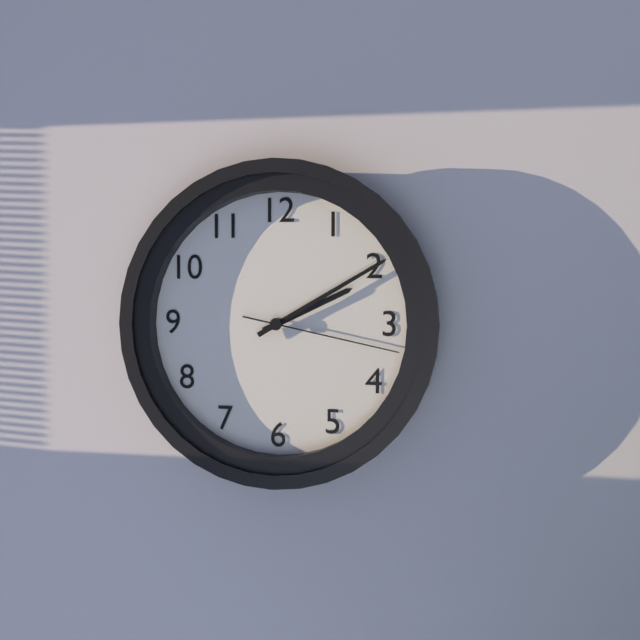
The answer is 2,10,17
